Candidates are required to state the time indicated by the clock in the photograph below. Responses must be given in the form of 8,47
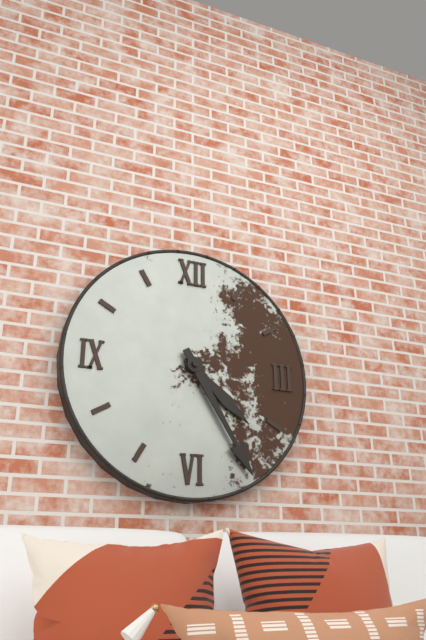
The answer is 4,25
